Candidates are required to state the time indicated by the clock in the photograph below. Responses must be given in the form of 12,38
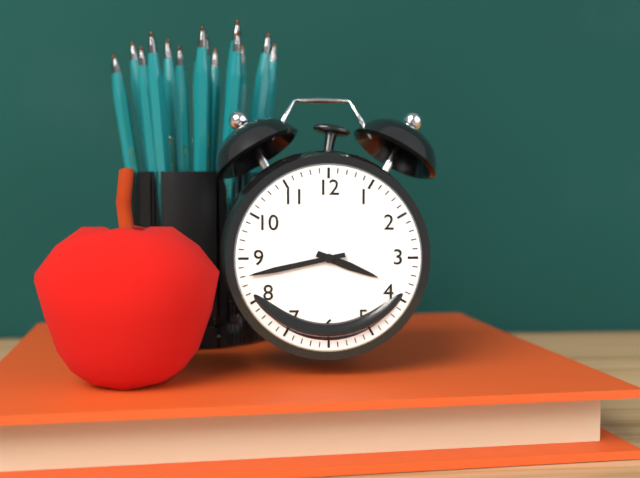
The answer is 3,43
